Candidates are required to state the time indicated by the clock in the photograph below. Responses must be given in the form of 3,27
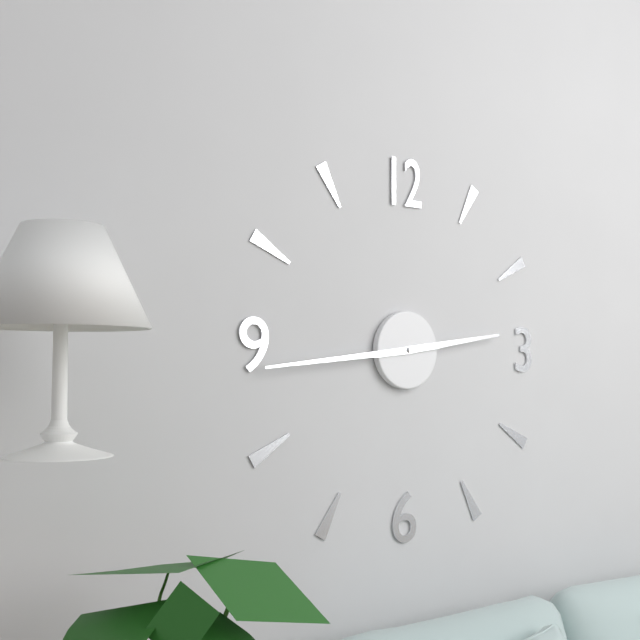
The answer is 2,44
